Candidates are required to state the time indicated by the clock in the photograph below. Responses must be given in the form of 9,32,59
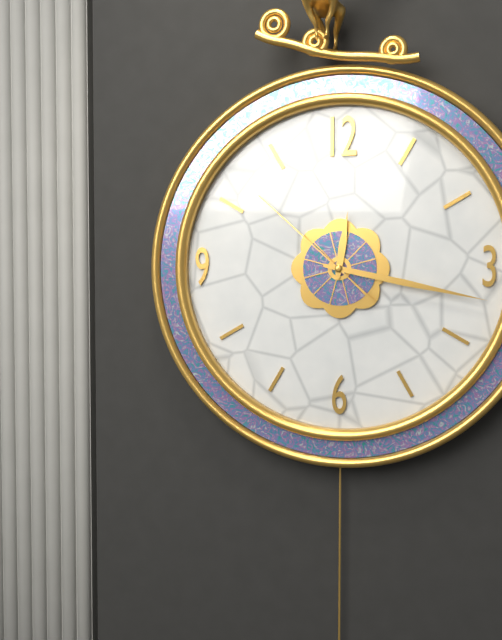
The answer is 12,17,52
